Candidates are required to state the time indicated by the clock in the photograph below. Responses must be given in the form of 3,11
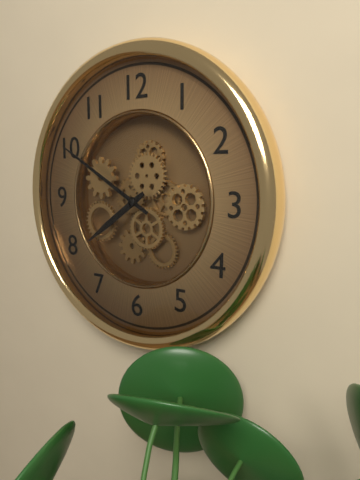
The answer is 7,50
